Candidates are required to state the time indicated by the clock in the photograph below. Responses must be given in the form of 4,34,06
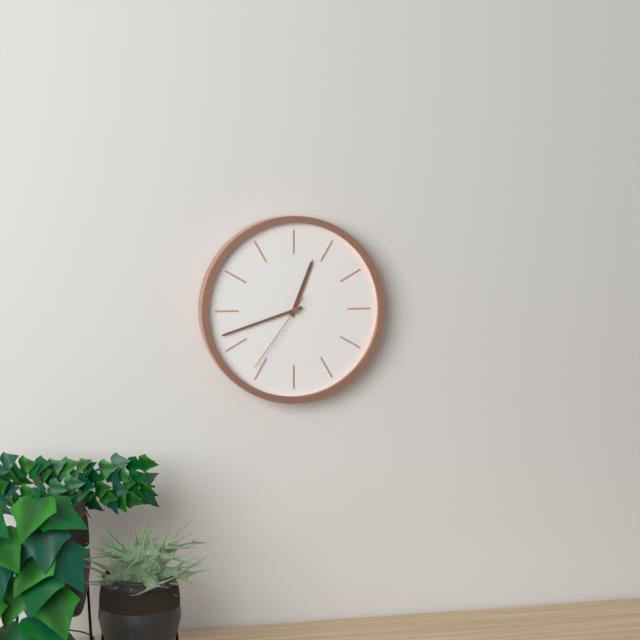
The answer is 12,42,36
